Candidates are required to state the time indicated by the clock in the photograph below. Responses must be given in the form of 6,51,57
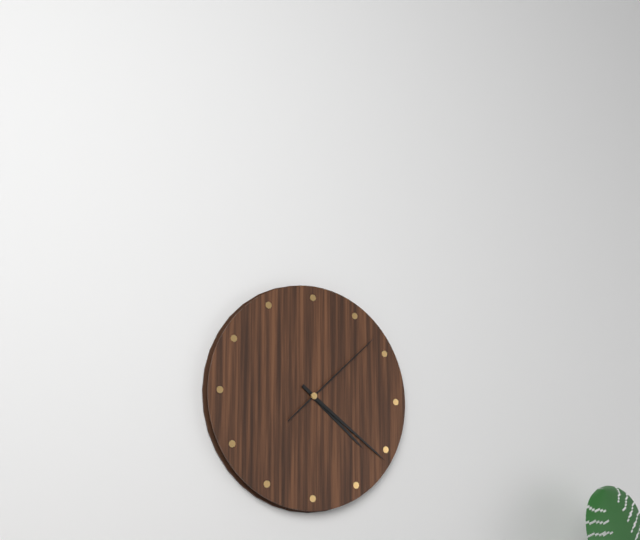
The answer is 4,21,08
